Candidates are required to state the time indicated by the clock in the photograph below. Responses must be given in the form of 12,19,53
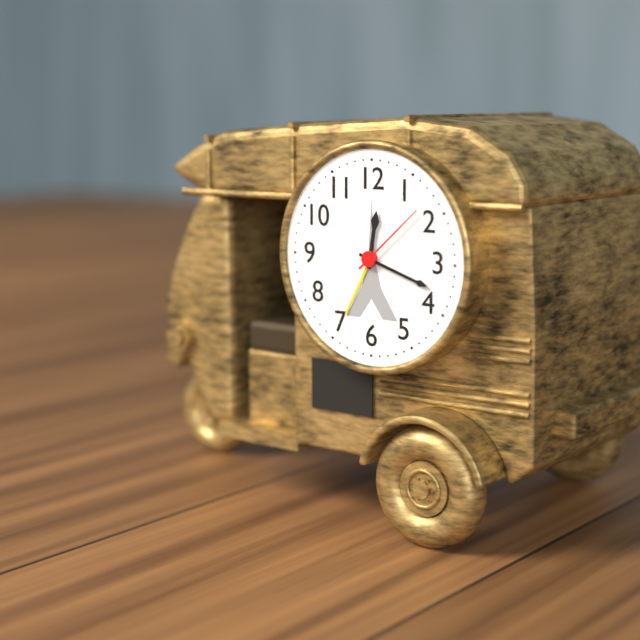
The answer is 12,18,08
